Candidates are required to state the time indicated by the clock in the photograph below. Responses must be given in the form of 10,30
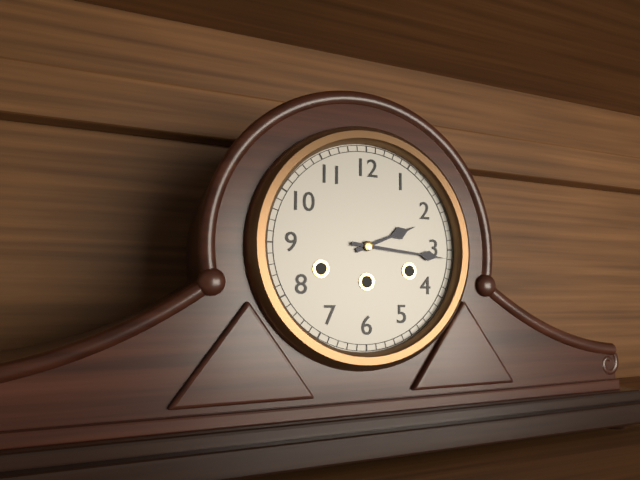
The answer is 2,16
